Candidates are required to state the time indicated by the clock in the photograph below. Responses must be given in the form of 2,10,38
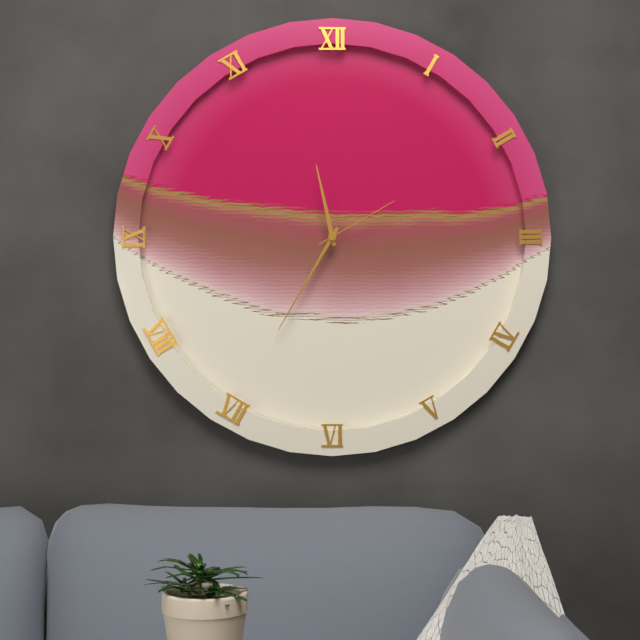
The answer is 11,35,10
